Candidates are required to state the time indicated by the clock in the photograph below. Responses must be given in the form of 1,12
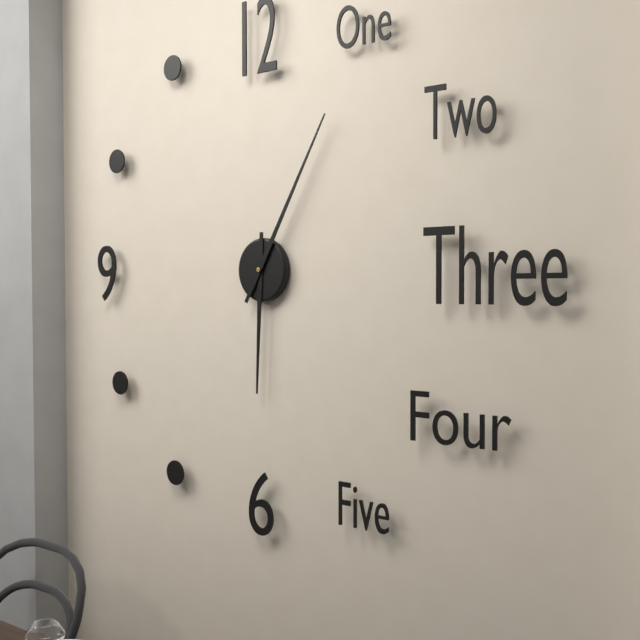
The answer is 6,05
